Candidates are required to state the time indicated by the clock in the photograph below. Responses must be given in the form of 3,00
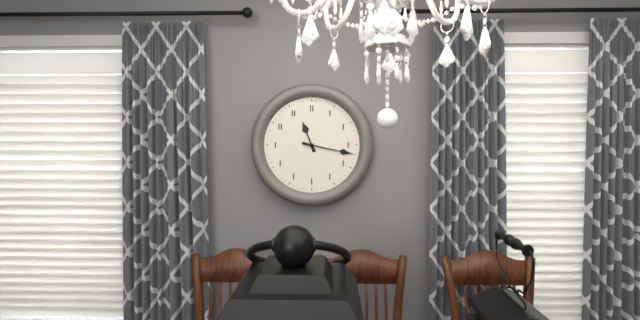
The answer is 11,17
